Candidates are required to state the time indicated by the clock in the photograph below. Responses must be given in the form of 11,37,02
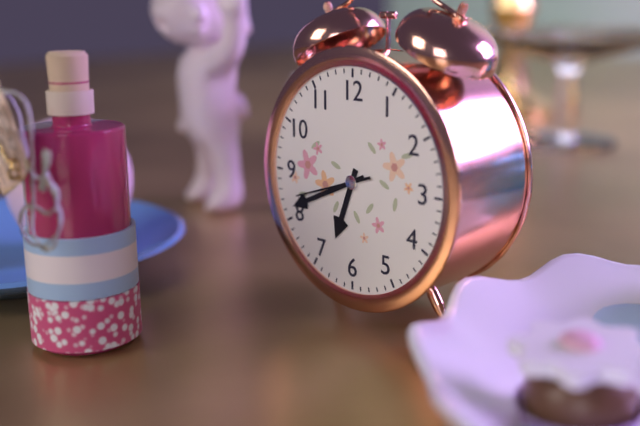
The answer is 6,41,42
